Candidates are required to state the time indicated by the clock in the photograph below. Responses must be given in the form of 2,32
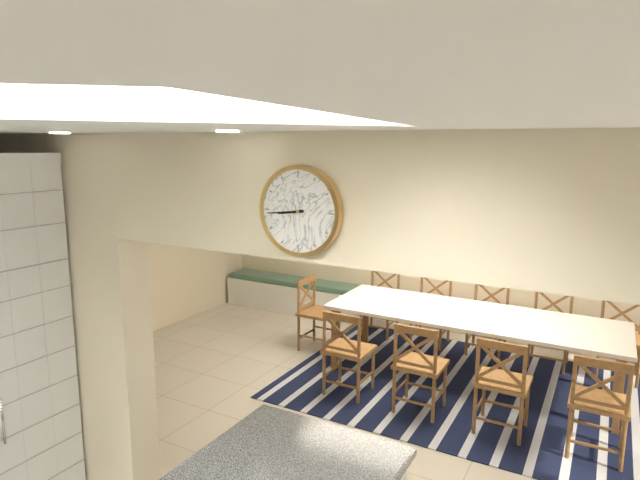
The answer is 8,44
